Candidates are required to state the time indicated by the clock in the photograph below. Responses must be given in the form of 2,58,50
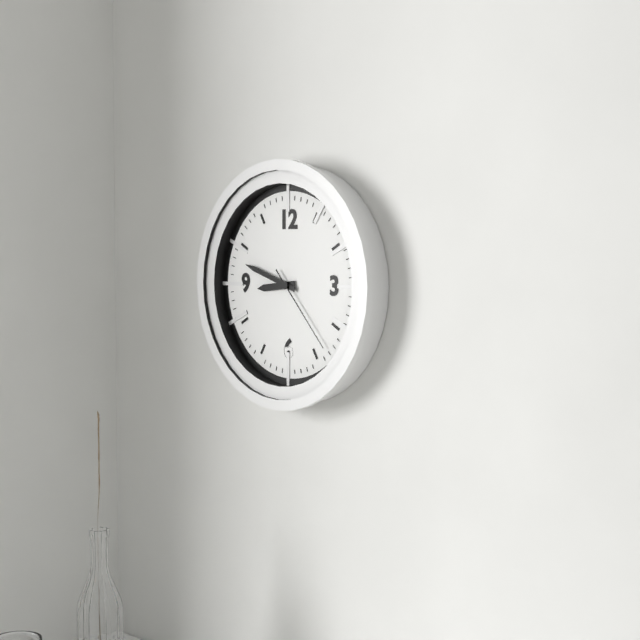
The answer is 8,48,23
